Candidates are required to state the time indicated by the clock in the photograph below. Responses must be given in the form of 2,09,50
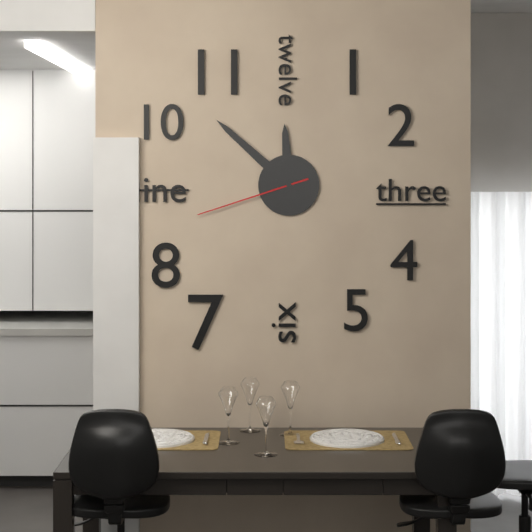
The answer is 11,52,42
